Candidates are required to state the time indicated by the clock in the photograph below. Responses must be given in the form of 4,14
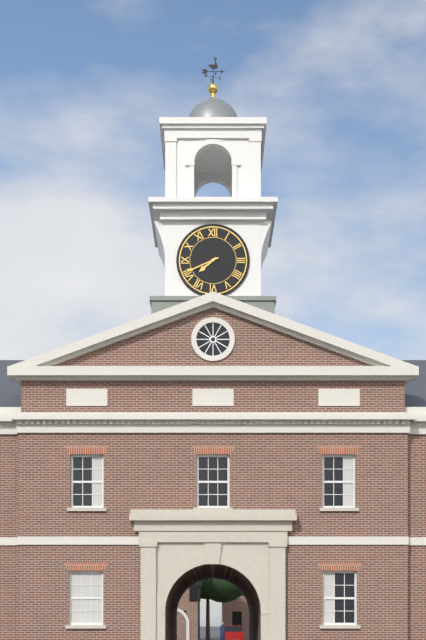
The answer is 7,41
